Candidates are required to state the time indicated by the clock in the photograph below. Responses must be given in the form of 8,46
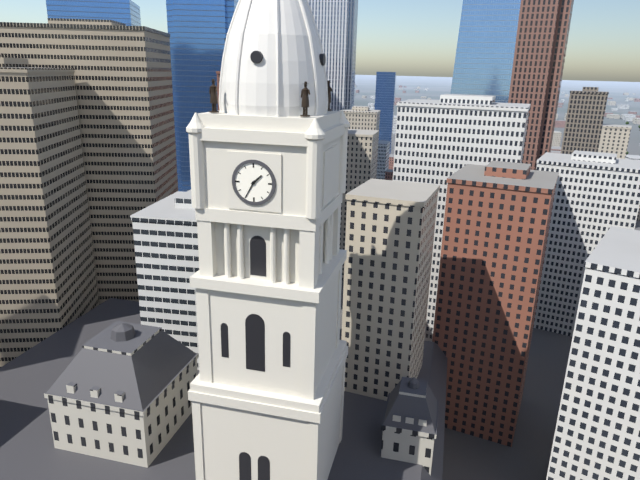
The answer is 1,35
